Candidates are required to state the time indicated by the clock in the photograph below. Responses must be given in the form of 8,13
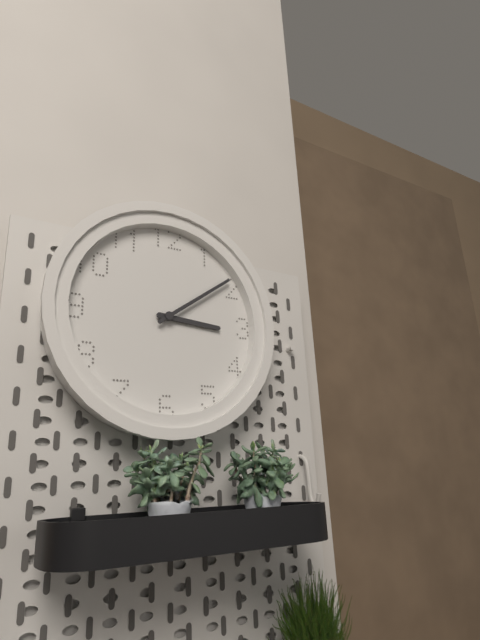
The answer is 3,09
